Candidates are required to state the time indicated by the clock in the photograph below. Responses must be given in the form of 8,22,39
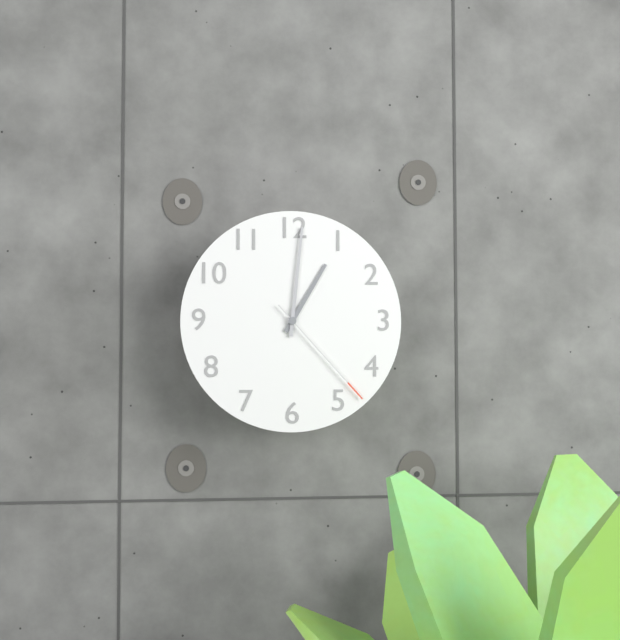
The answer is 1,01,23
